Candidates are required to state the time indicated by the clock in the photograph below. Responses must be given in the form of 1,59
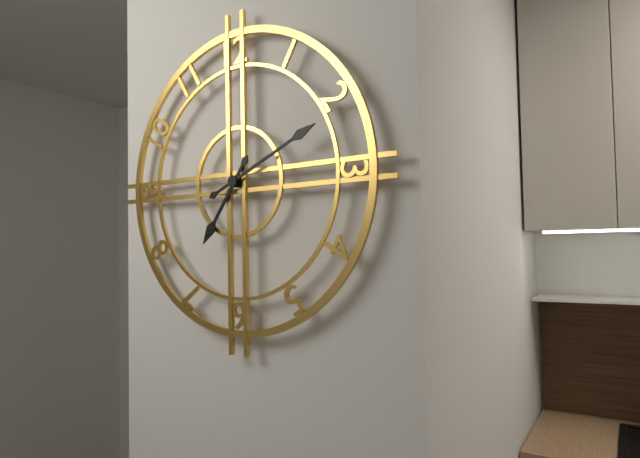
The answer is 7,11
